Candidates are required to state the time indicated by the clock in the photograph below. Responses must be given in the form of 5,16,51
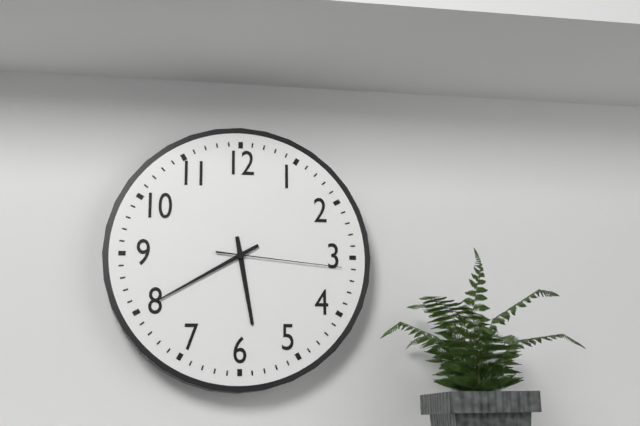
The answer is 5,40,16
